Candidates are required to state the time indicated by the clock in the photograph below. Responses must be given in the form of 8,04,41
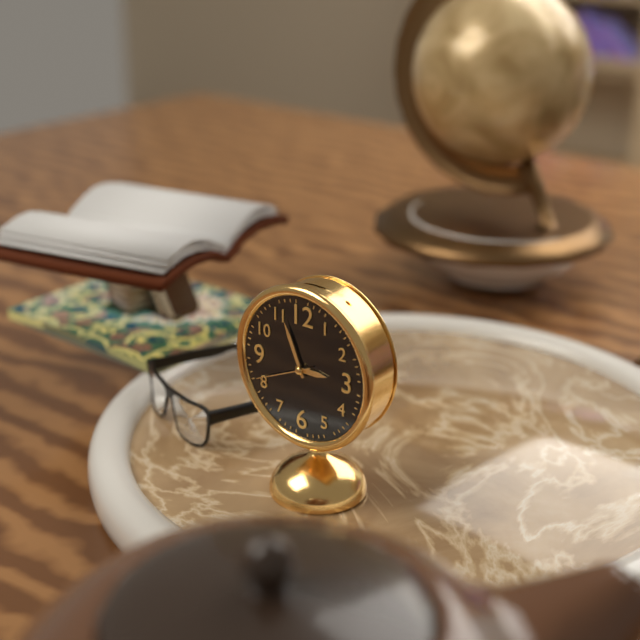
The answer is 2,56,41
